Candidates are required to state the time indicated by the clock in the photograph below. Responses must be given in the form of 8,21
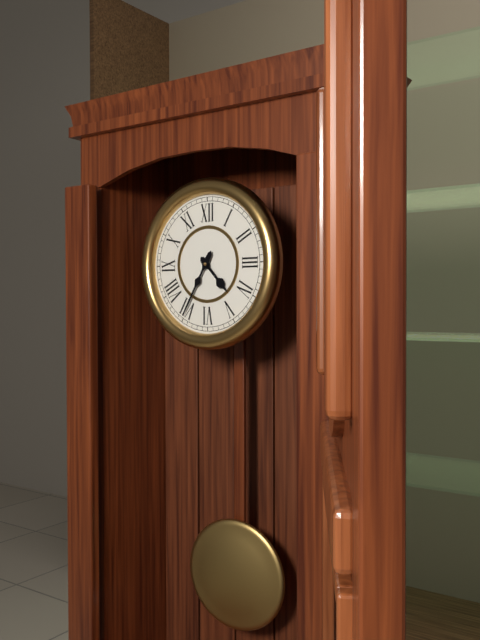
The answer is 4,35
